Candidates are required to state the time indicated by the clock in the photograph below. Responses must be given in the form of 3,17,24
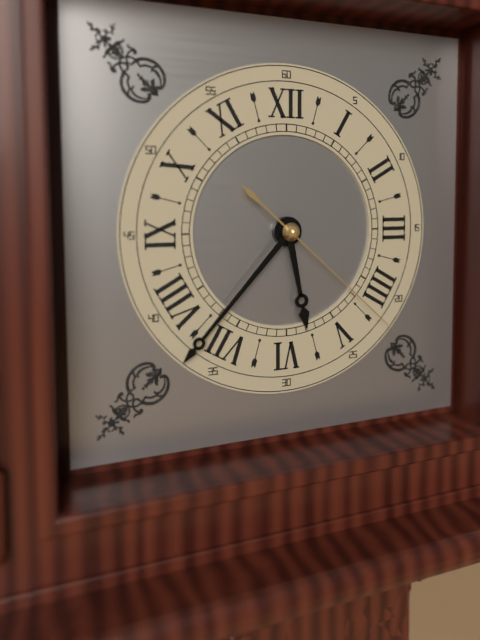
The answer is 5,37,22
